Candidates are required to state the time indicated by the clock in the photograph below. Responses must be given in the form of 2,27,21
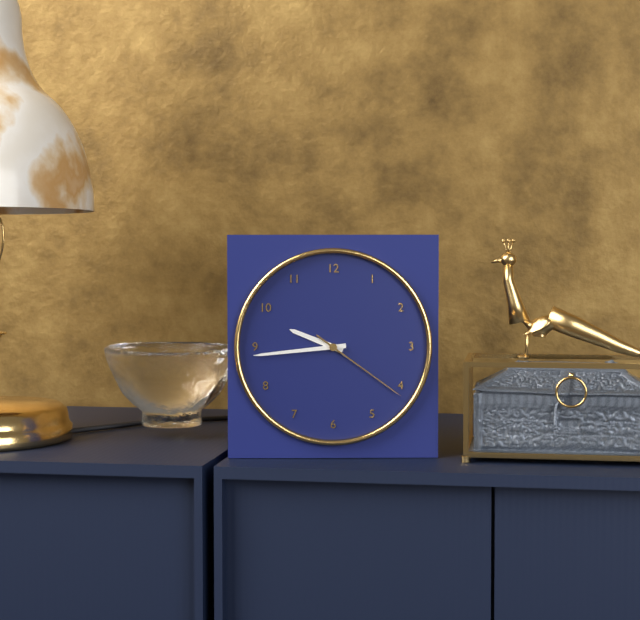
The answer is 9,44,21
